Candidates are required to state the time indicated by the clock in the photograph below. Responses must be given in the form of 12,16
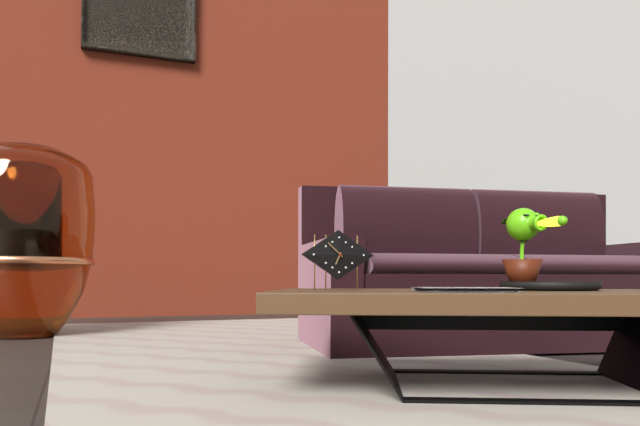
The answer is 6,52
